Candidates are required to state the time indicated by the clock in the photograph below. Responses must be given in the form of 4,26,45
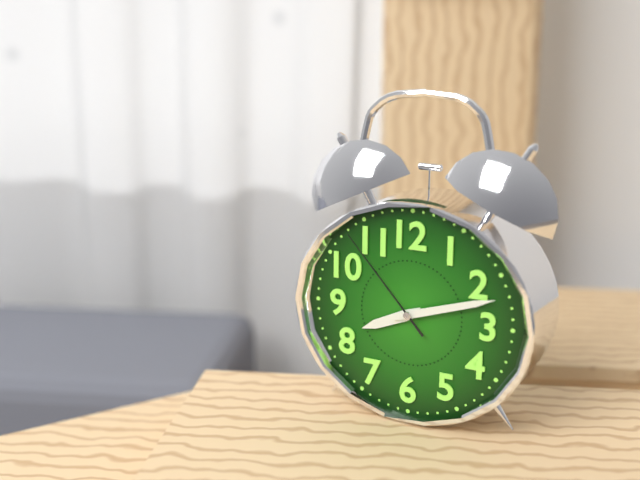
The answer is 8,12,53
